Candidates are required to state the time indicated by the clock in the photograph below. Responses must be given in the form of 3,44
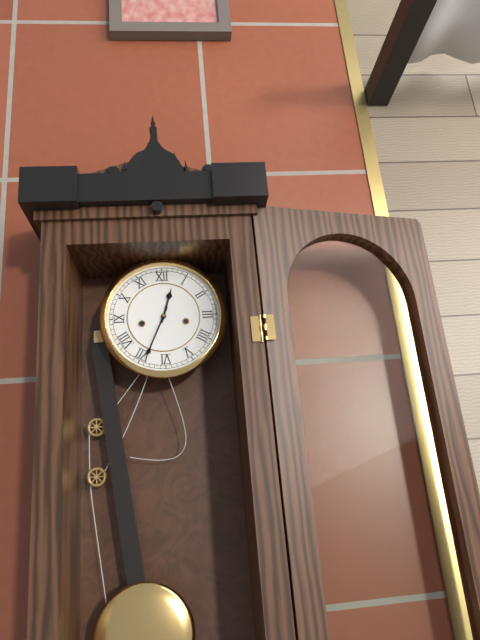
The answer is 12,34
